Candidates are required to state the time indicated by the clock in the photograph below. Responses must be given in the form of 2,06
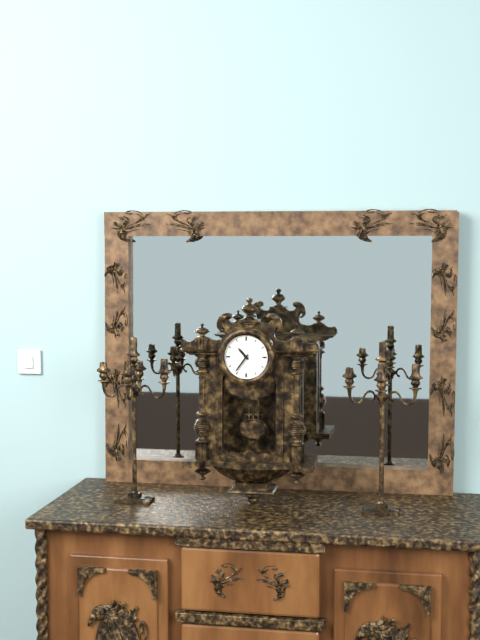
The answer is 10,36
